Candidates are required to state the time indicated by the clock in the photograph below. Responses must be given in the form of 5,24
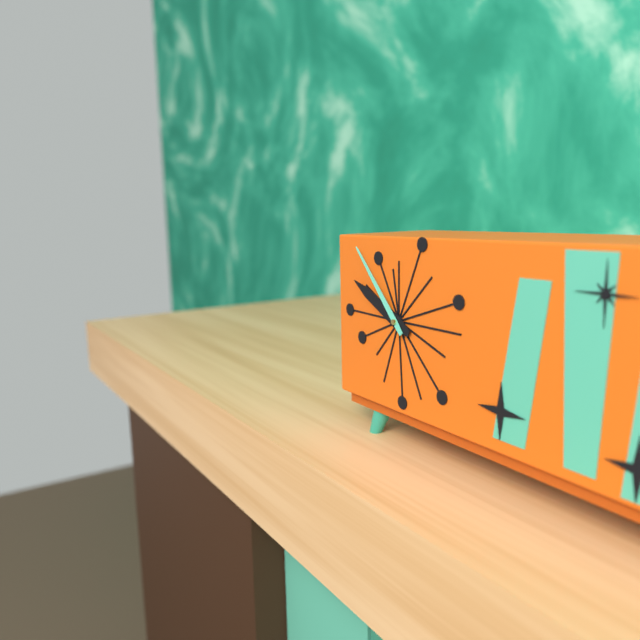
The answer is 9,53
